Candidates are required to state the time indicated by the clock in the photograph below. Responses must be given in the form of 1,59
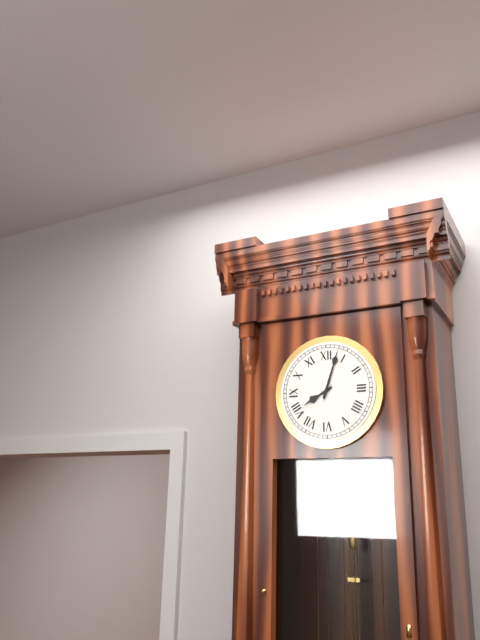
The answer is 8,03
